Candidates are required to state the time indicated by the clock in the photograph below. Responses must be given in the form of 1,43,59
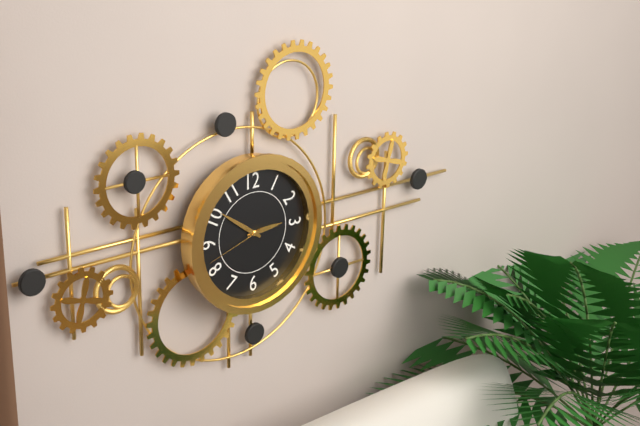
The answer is 2,51,42
